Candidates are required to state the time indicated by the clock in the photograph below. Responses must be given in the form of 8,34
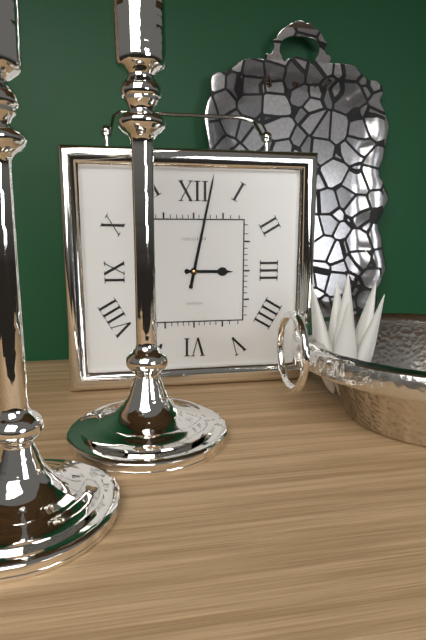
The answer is 3,02
